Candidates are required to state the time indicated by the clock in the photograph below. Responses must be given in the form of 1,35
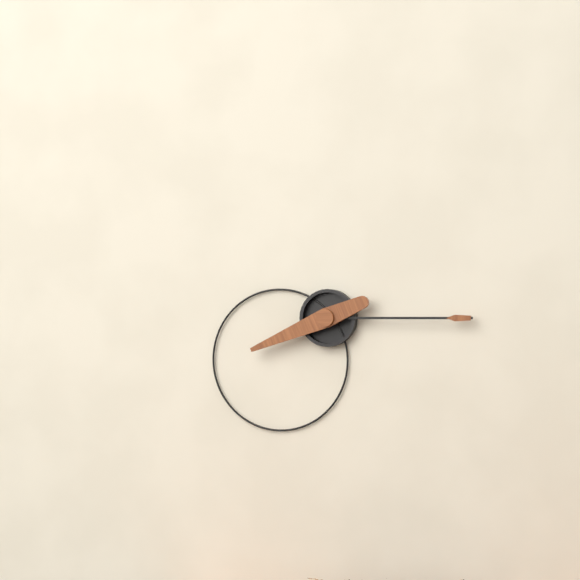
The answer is 8,15
